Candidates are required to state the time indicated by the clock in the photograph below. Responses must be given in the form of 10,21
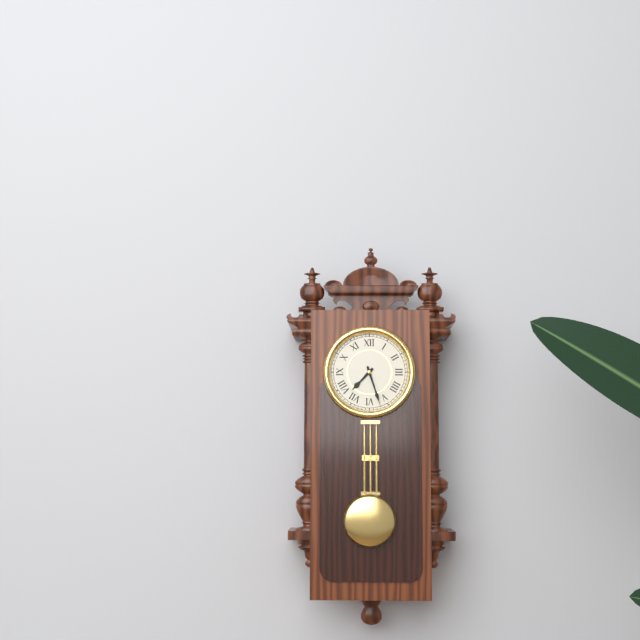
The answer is 7,27
